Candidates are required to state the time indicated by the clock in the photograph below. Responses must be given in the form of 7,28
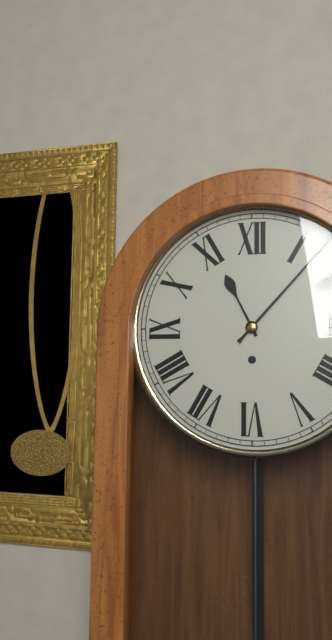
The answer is 11,07
